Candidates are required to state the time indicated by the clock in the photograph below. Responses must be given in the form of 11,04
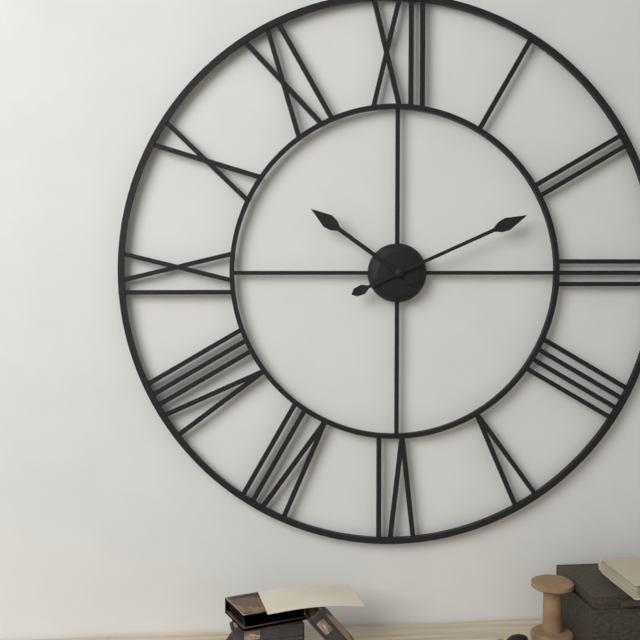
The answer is 10,11
